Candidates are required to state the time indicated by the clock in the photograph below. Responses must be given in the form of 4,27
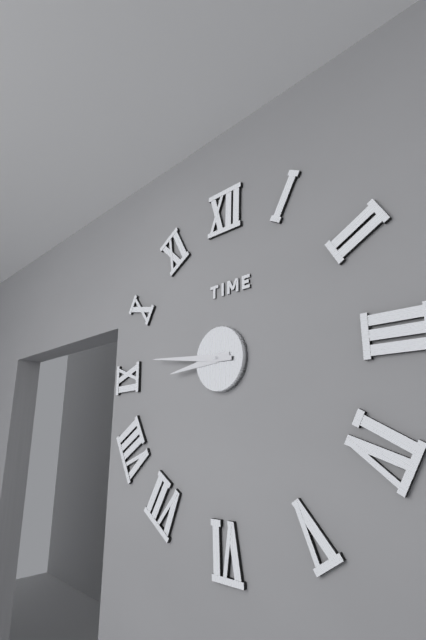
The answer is 8,46
